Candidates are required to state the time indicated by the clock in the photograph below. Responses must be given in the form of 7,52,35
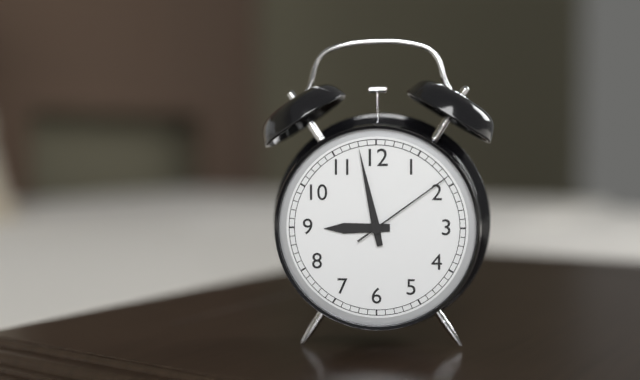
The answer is 8,58,09
